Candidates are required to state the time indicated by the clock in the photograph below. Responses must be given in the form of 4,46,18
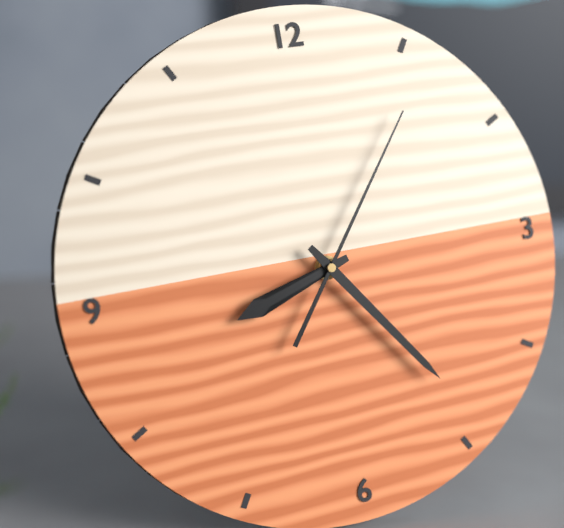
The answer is 8,24,06
